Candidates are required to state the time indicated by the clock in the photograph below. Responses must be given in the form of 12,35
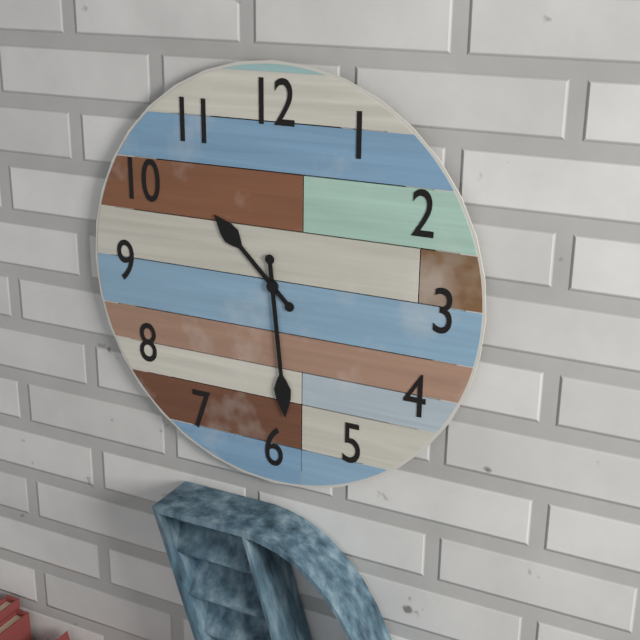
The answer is 10,29
